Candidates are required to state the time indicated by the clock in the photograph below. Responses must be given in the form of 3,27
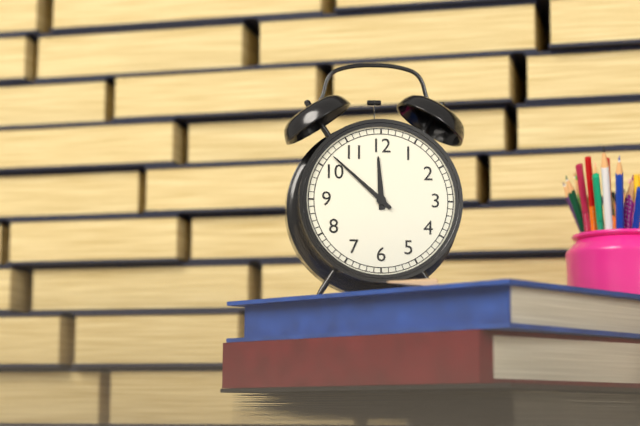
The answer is 11,52
